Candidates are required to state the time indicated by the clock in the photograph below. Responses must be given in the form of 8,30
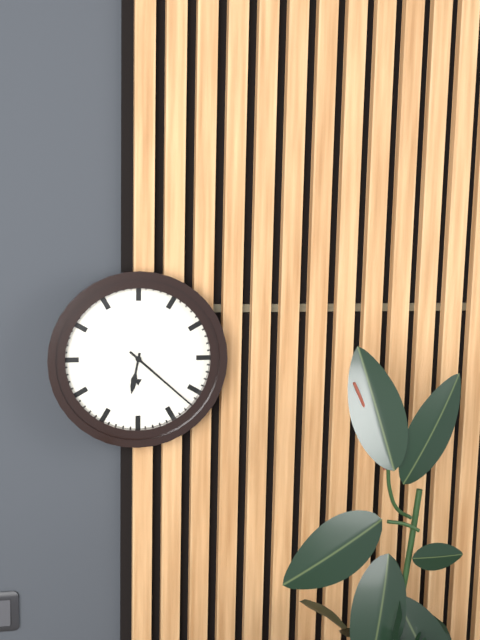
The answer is 6,22
